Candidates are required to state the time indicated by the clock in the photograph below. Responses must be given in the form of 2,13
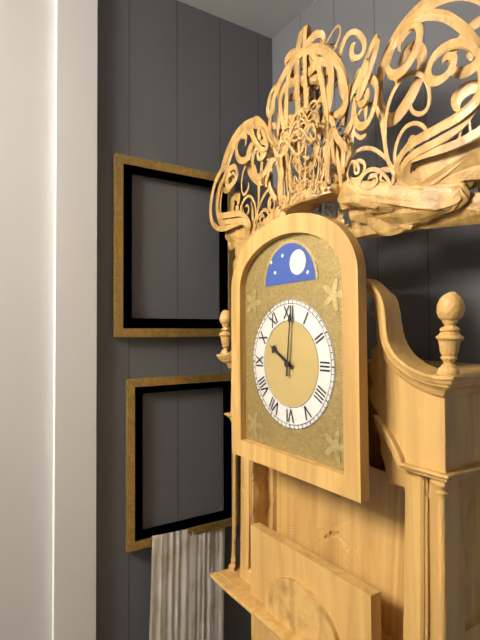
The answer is 10,01
